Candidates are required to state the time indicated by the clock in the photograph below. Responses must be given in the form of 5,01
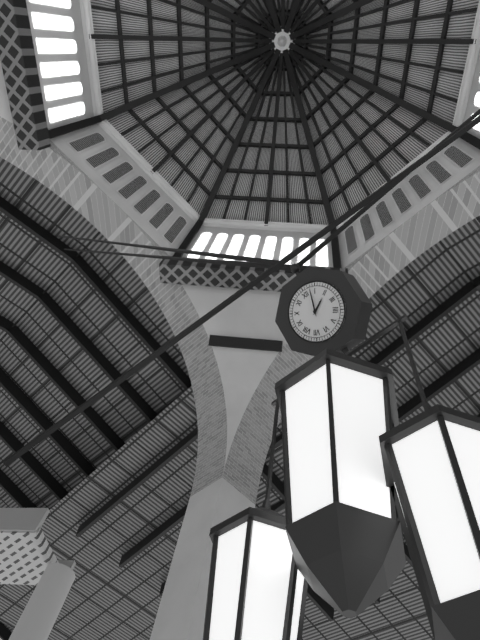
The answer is 2,03
